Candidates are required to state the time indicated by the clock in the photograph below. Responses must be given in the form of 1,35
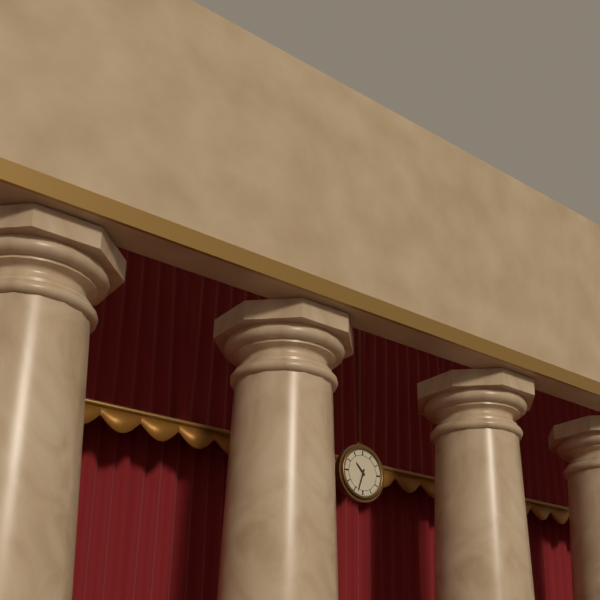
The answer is 10,33
